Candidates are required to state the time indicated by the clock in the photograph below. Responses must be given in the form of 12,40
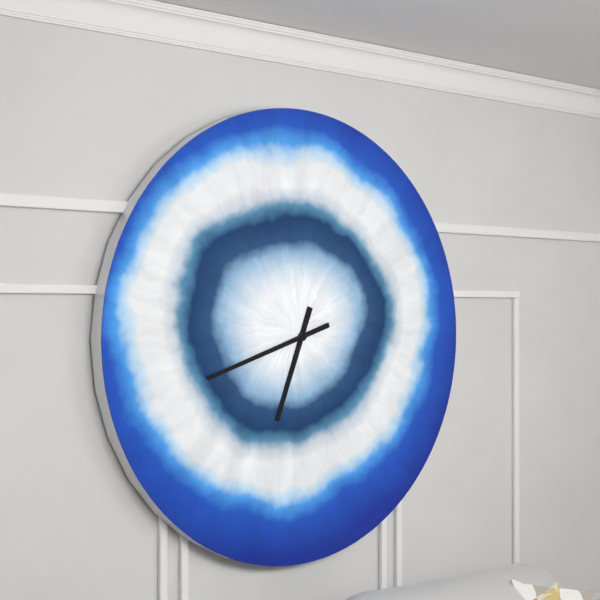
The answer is 6,42
